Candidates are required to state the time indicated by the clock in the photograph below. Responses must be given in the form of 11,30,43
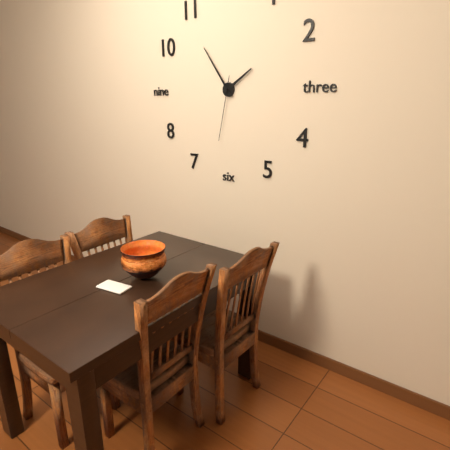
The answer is 1,54,32
